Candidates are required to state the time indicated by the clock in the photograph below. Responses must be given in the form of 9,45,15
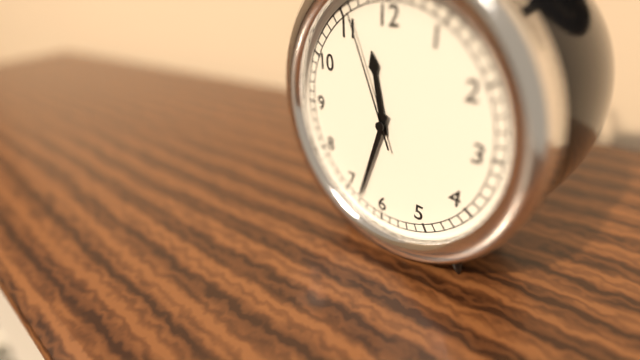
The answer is 11,33,56
